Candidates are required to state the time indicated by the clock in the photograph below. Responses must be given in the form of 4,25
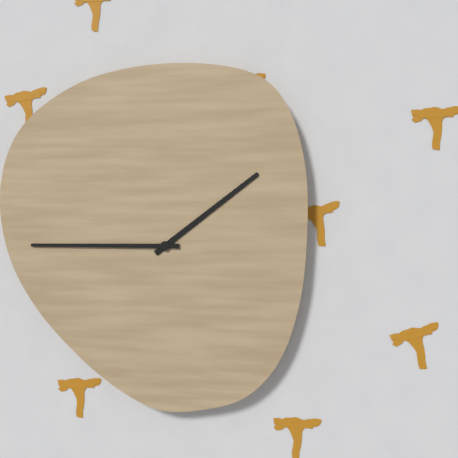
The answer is 1,45
